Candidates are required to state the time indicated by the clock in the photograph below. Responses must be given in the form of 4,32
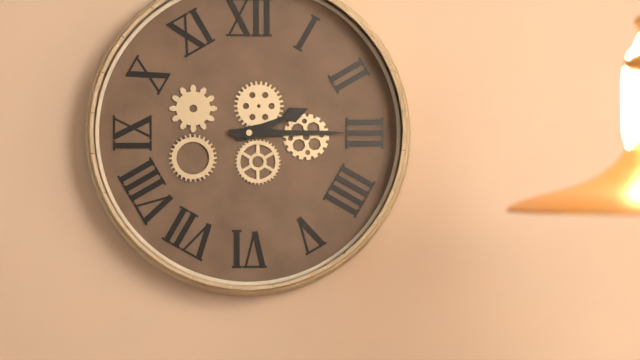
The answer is 2,15
